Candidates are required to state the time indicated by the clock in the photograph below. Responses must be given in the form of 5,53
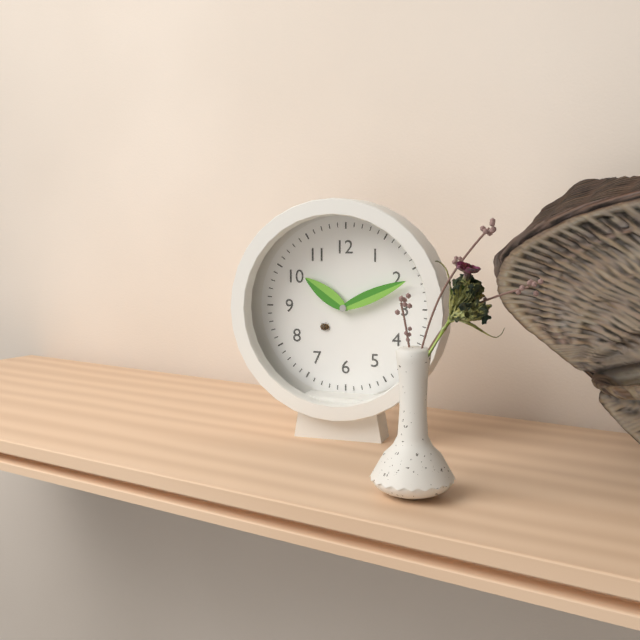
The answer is 10,11
